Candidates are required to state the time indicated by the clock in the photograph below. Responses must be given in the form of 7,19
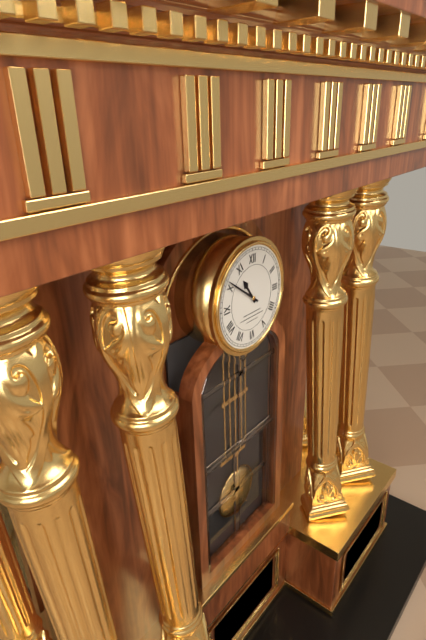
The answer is 10,51
